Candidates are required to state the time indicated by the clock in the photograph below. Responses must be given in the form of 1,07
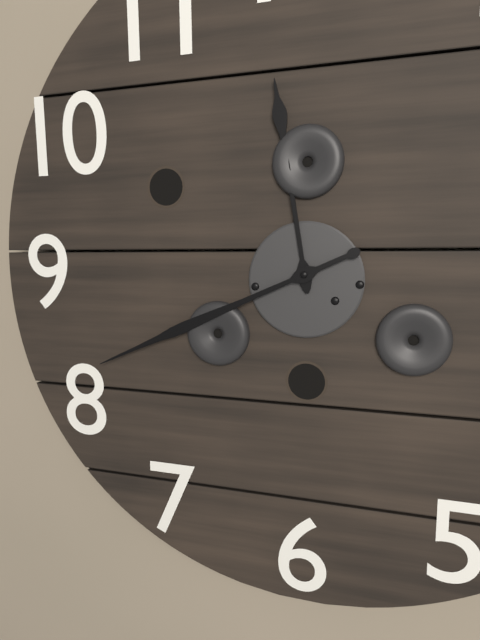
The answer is 11,41
